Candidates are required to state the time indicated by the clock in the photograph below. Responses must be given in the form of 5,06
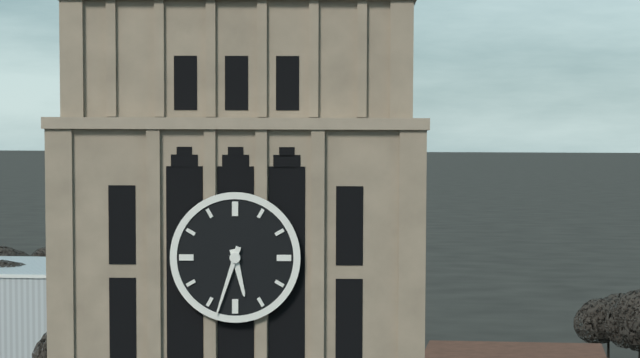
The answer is 5,33
